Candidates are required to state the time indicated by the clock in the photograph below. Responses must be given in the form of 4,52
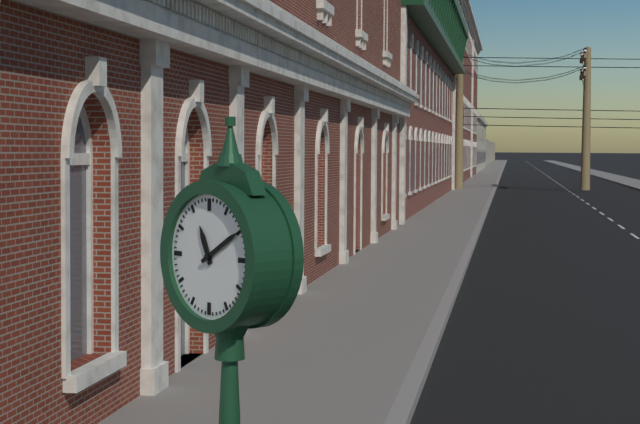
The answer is 11,10
